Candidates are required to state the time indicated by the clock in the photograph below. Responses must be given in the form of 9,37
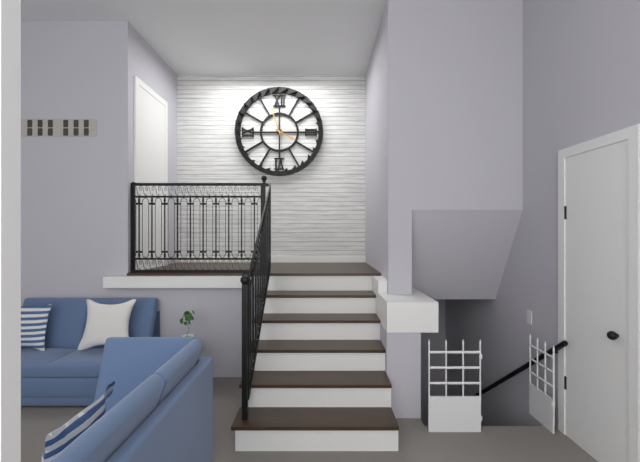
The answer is 3,57
